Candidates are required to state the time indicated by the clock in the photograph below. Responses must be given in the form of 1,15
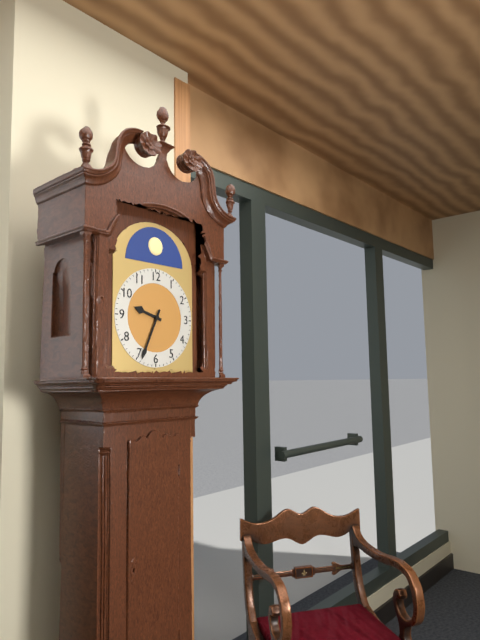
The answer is 9,34
